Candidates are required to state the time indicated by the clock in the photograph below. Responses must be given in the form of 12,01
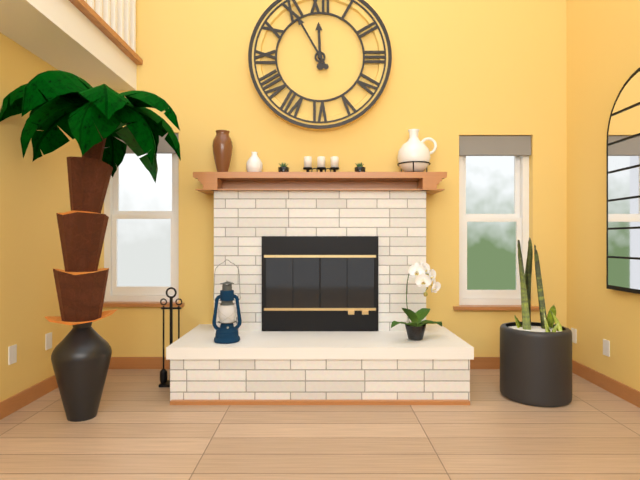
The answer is 11,55
